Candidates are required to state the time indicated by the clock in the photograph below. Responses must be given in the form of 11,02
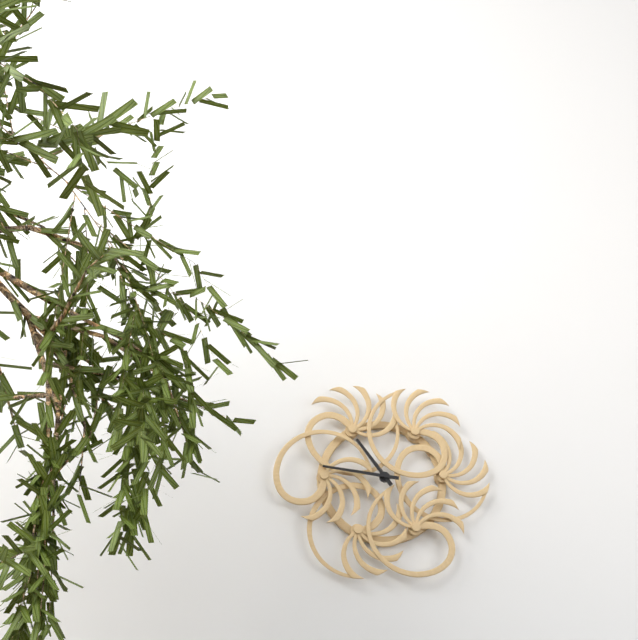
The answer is 10,46
